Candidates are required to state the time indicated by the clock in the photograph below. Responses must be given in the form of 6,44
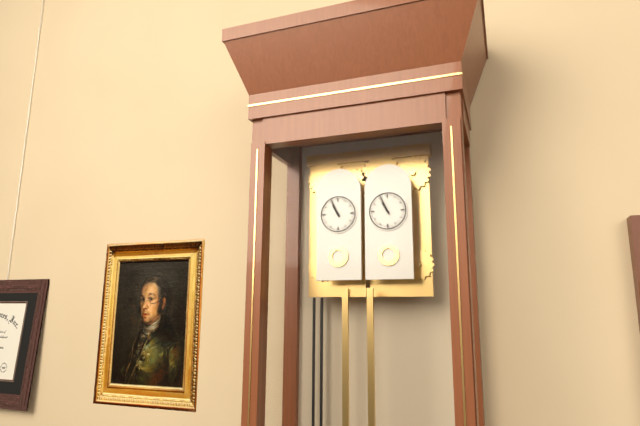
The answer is 10,56
